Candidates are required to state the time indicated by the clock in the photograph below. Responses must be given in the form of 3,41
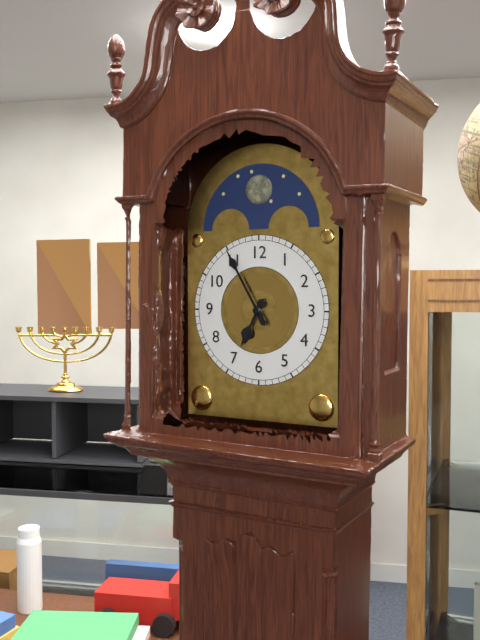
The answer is 6,55
